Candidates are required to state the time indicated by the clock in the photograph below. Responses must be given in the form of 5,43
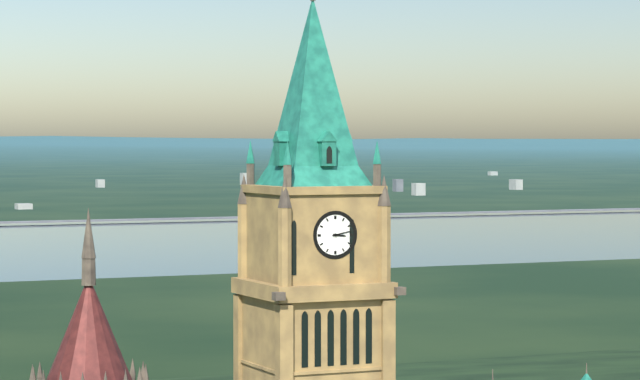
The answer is 3,13
